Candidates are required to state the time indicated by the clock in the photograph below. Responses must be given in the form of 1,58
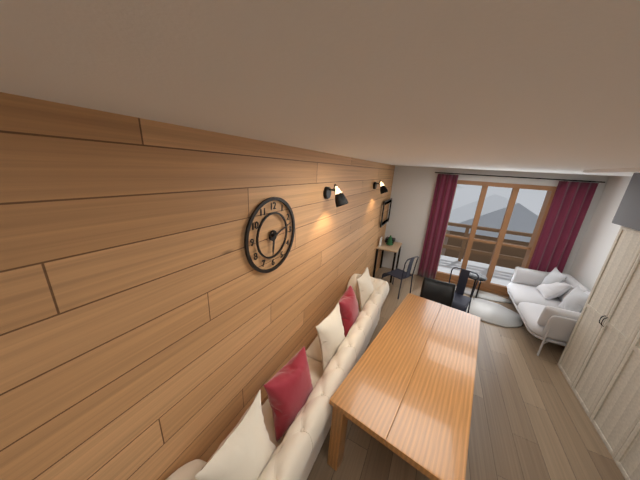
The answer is 6,12
